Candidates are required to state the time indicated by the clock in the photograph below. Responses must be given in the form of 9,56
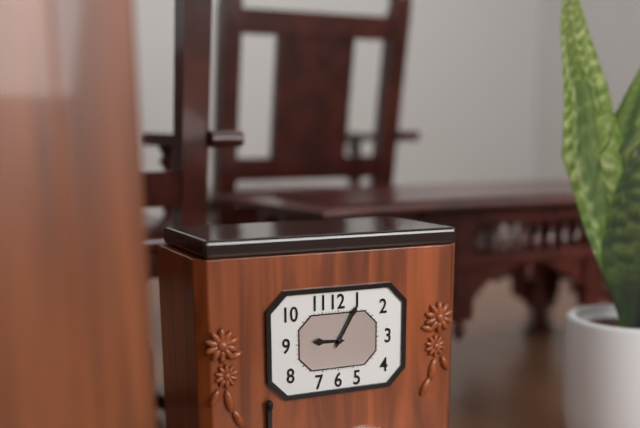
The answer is 9,05
